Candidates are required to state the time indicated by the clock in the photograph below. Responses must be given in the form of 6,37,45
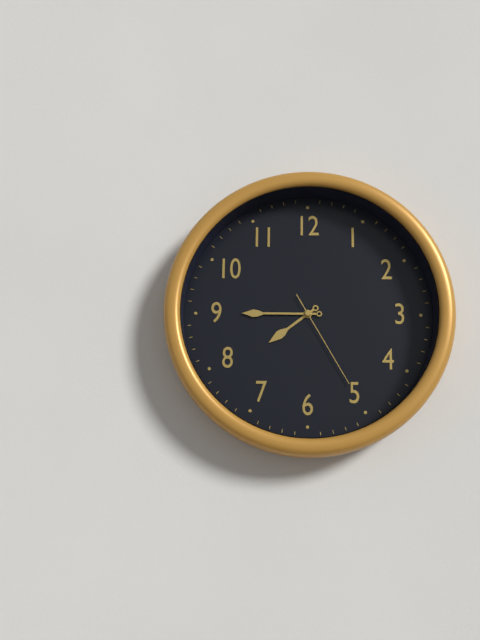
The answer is 7,45,25
